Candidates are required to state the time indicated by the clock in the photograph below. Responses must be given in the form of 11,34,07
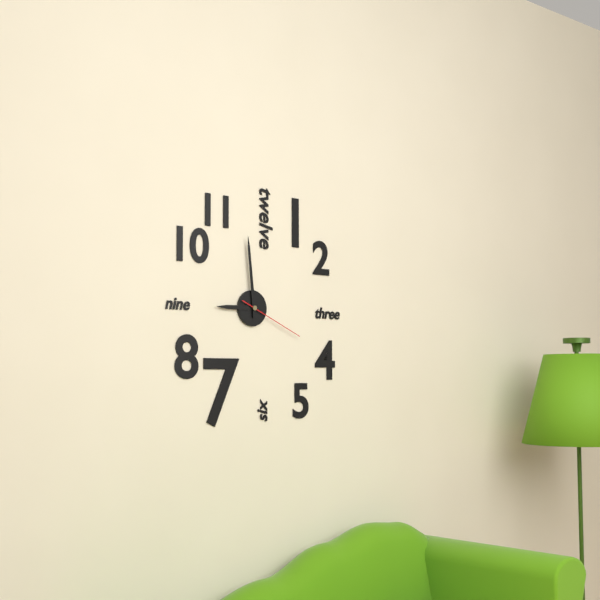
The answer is 8,59,19
